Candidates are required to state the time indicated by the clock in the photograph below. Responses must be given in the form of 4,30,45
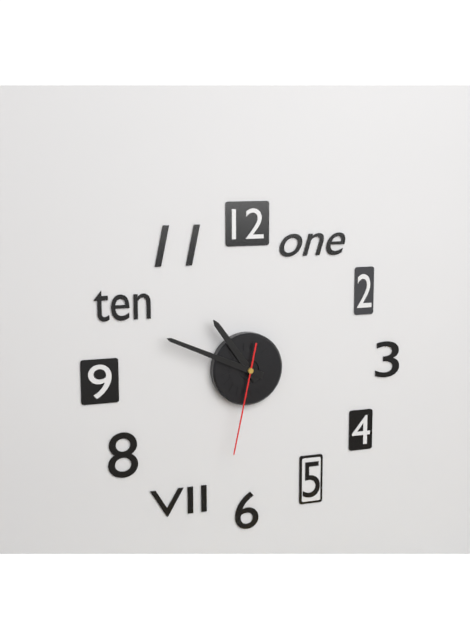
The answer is 10,49,32
